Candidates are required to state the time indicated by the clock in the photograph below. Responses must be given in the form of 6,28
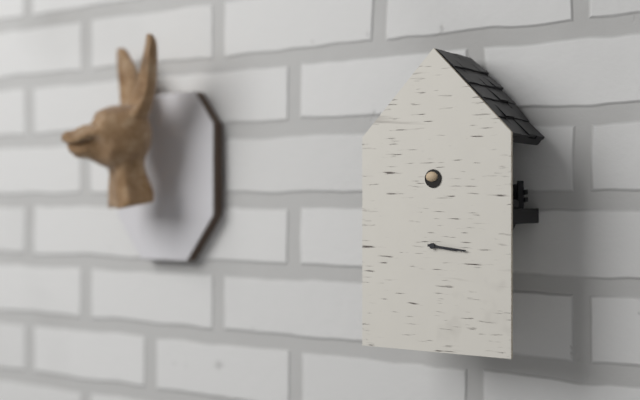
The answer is 3,16
